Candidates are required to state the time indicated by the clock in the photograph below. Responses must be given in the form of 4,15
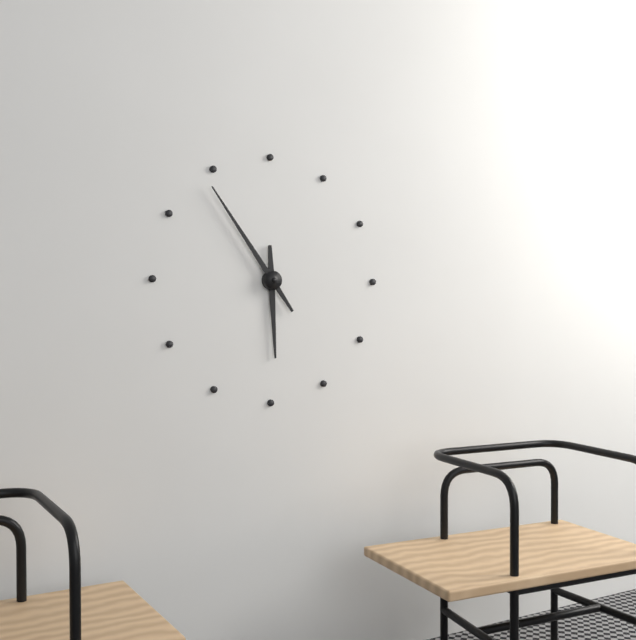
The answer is 5,54
